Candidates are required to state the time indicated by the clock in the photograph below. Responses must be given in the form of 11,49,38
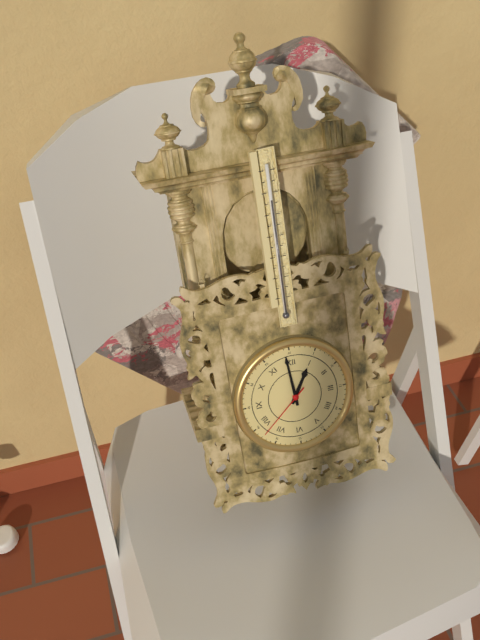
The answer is 12,59,38
